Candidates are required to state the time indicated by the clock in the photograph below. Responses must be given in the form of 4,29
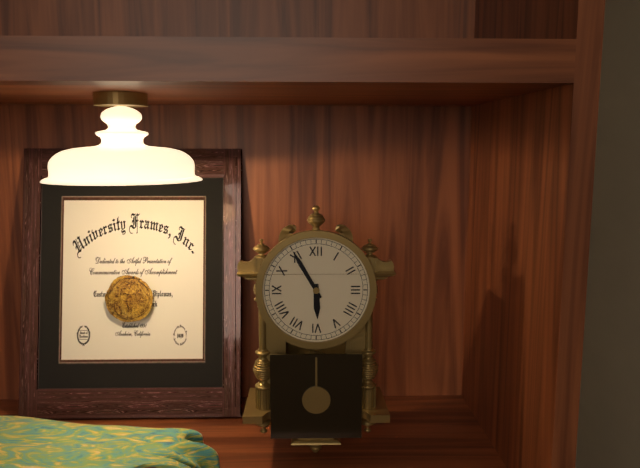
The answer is 5,55
